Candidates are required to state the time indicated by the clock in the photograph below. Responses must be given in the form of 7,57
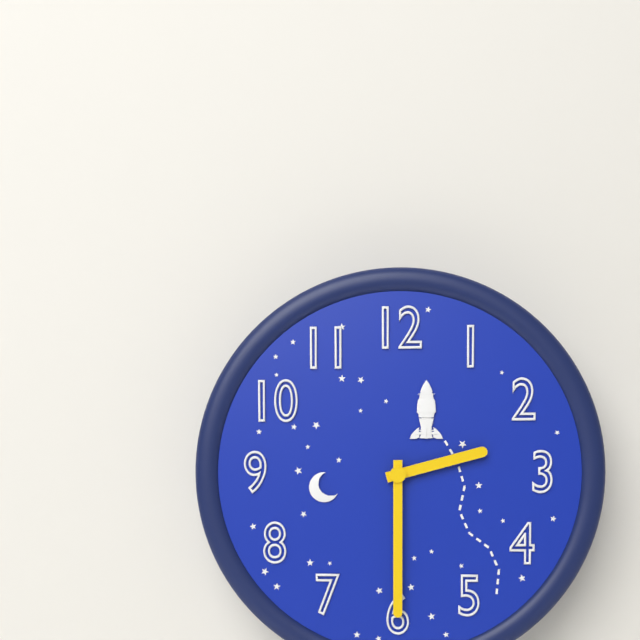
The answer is 2,30
